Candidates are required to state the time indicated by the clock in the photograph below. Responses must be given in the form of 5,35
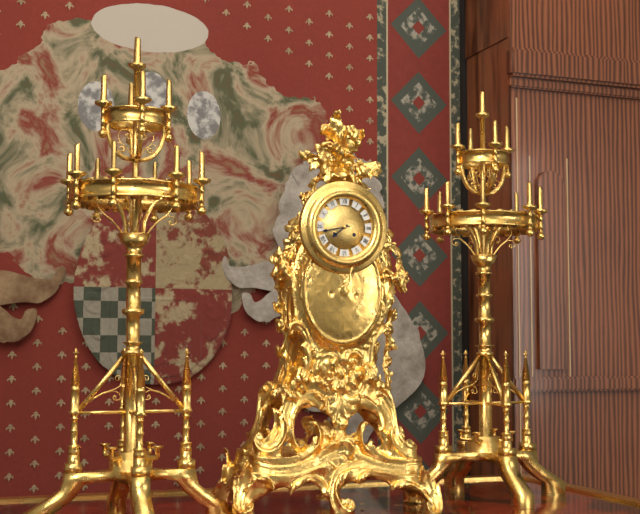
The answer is 7,43
